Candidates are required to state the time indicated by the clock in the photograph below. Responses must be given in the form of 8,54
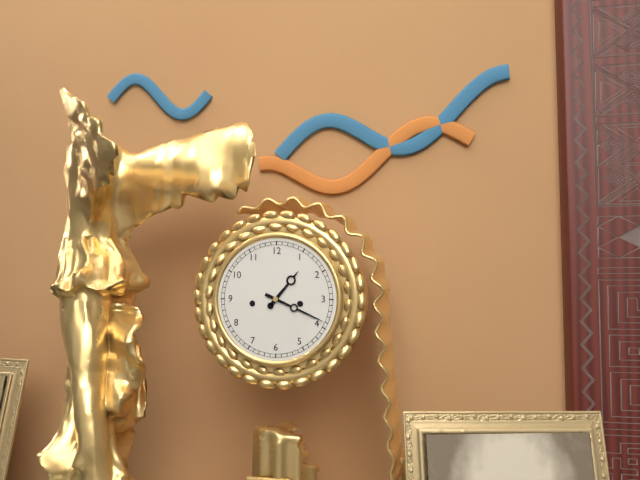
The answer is 1,19
